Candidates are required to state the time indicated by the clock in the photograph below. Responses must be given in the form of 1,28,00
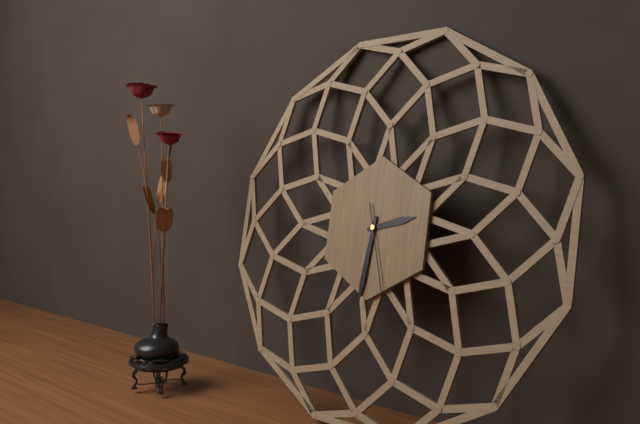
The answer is 2,31,27
